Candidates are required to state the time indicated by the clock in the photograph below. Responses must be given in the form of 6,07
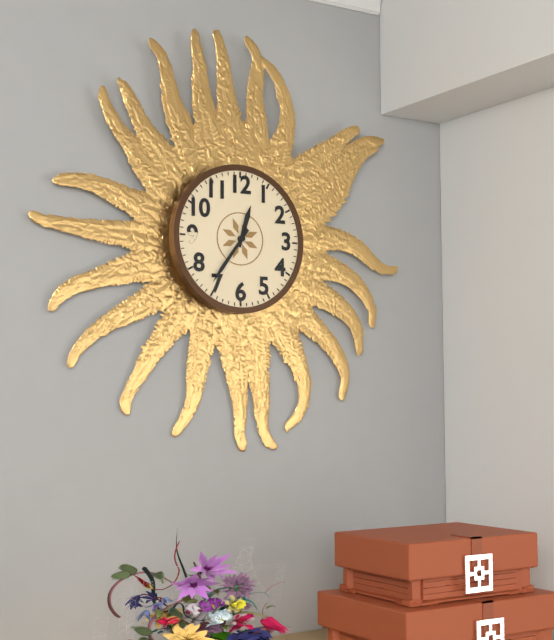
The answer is 12,36
